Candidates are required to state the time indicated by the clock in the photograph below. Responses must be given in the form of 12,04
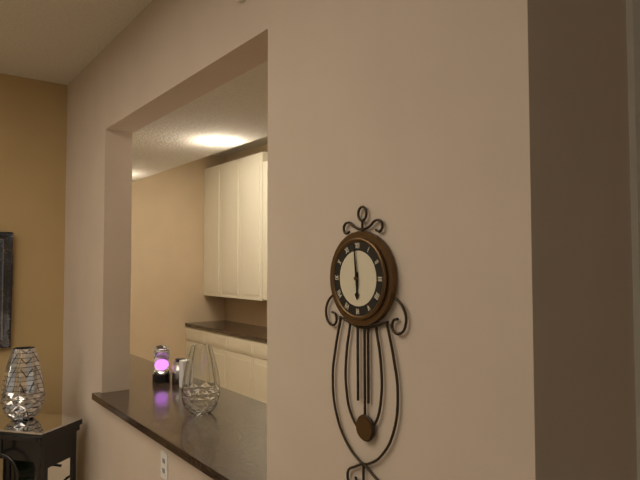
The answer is 5,59
